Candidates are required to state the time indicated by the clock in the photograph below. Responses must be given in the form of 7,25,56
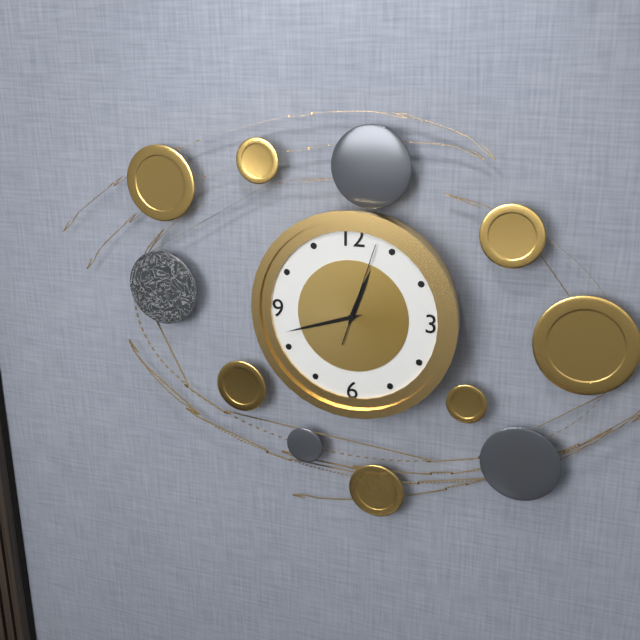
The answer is 12,42,03
